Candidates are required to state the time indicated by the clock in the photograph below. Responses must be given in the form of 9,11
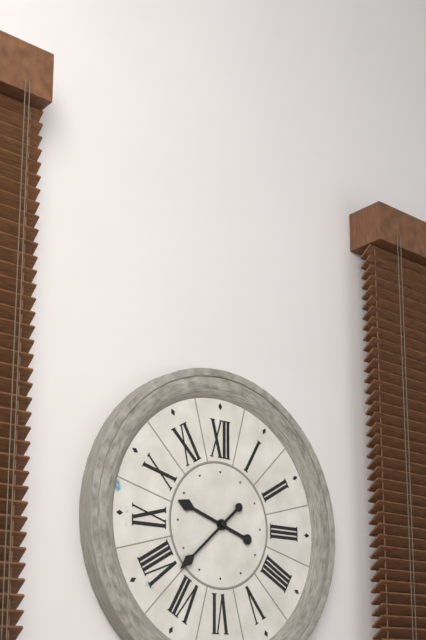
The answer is 9,38
